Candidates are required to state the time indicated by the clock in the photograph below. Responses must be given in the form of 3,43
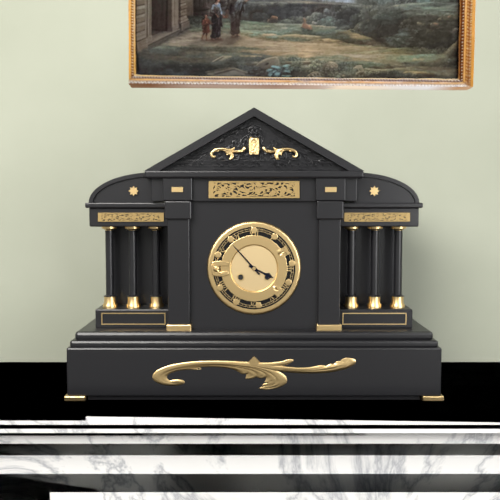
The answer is 3,53
